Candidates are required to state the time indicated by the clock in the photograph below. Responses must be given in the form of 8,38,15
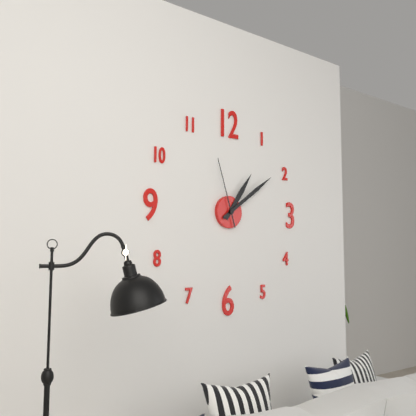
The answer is 1,09,57
